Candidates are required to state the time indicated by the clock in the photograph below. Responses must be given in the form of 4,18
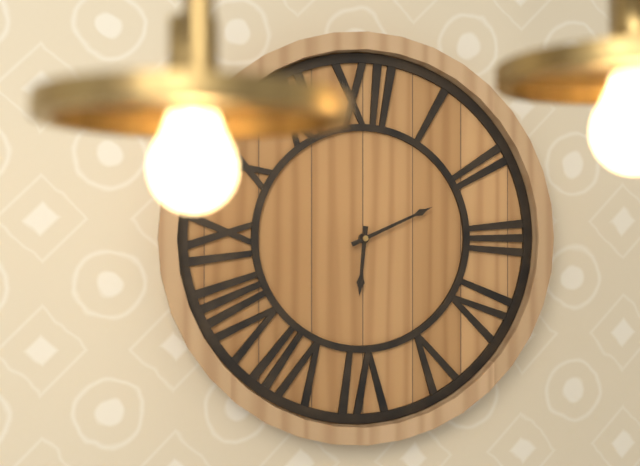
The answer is 6,11
